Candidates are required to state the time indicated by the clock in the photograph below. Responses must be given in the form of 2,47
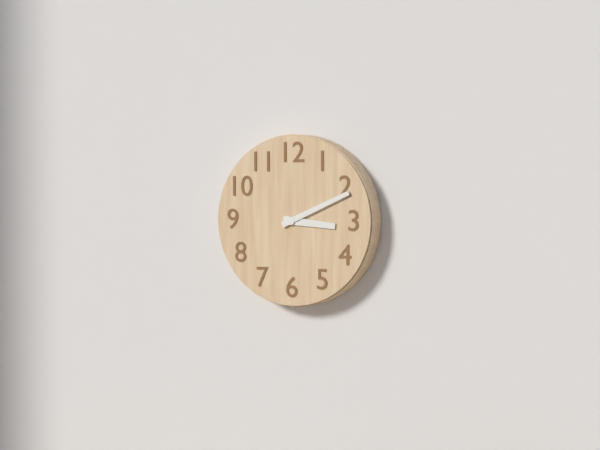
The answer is 3,11
